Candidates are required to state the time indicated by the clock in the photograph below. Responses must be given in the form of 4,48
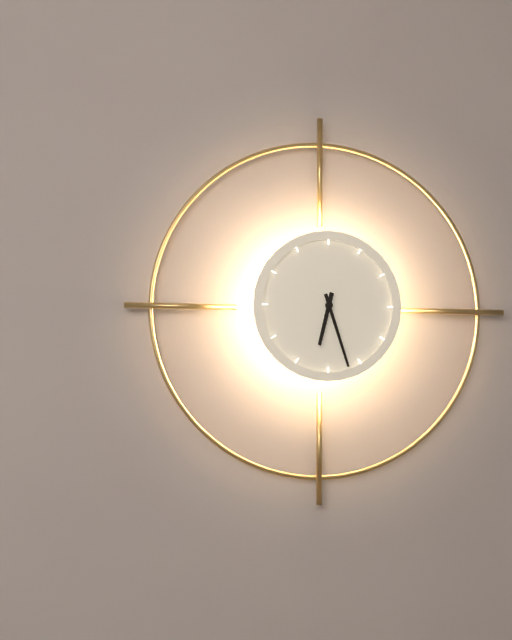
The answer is 6,27
